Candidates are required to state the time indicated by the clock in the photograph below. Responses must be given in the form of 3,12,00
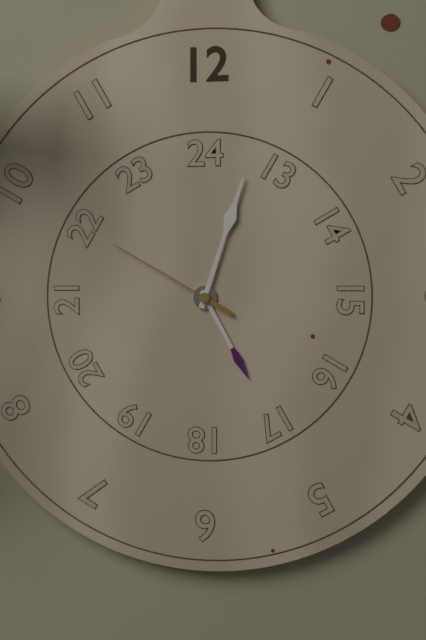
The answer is 5,03,50
